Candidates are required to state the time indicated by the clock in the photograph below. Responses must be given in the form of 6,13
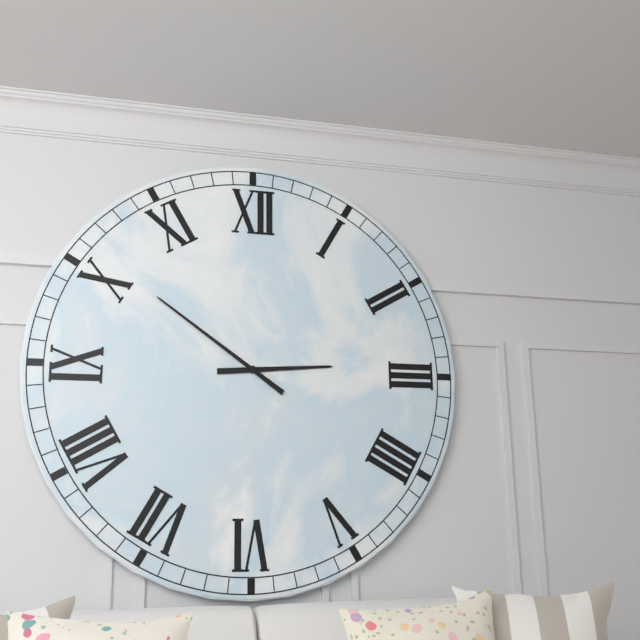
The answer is 2,51
